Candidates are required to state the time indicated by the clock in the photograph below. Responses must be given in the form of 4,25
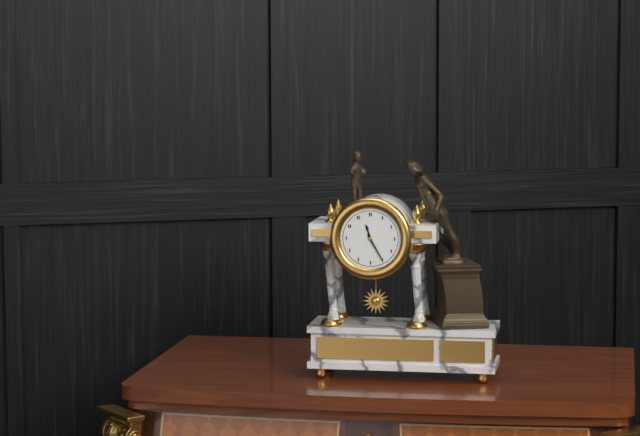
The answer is 11,25
